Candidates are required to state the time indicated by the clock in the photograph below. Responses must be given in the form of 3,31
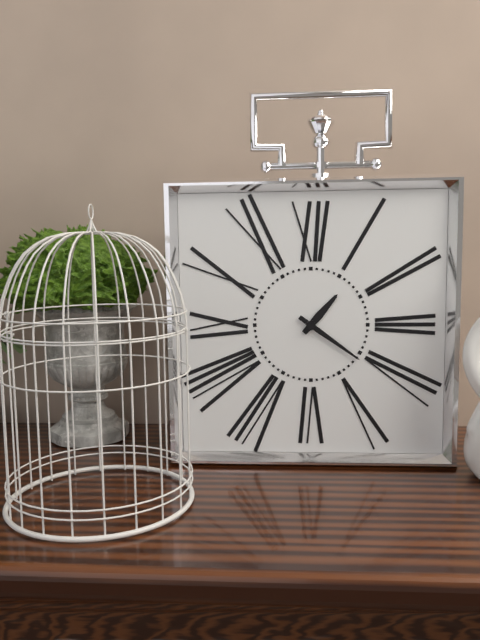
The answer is 1,21
